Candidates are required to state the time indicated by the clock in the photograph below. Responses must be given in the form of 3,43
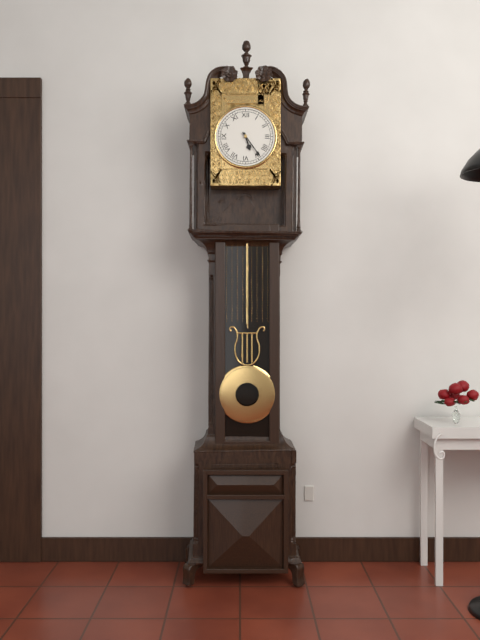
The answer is 5,24
